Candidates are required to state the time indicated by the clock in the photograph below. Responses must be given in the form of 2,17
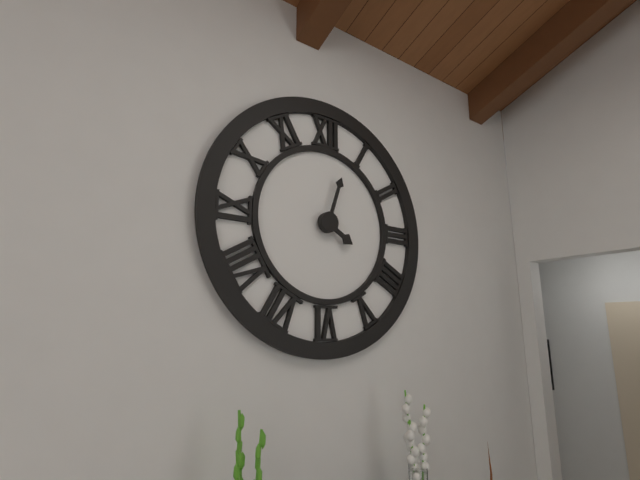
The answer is 4,03
